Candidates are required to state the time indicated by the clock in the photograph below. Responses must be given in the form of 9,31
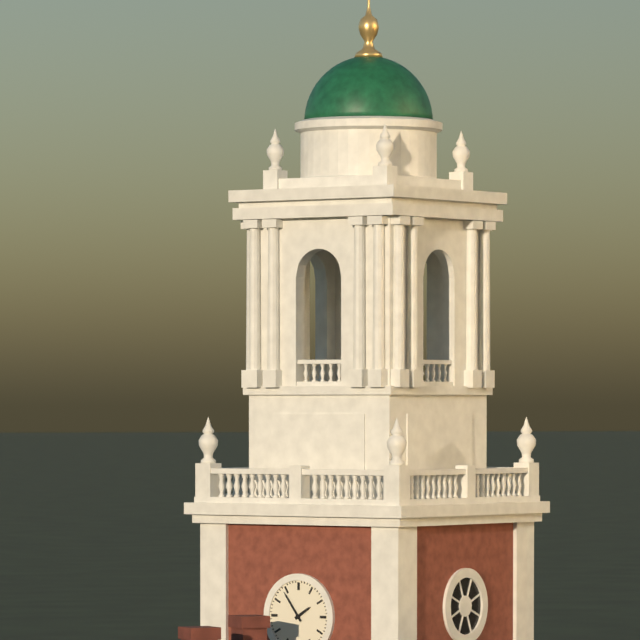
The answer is 1,54
